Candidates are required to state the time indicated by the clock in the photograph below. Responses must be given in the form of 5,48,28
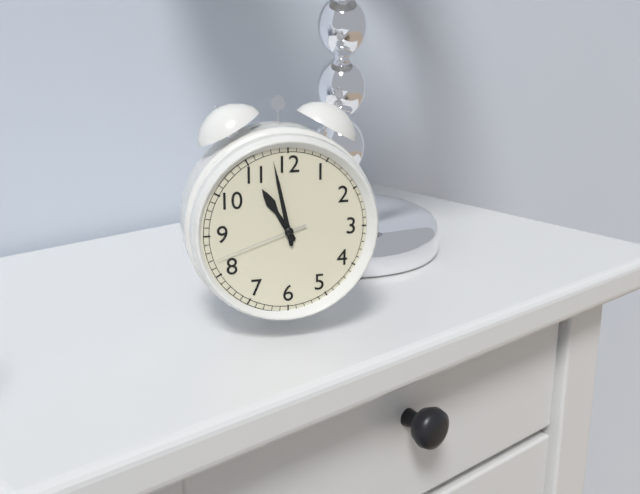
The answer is 10,58,42
